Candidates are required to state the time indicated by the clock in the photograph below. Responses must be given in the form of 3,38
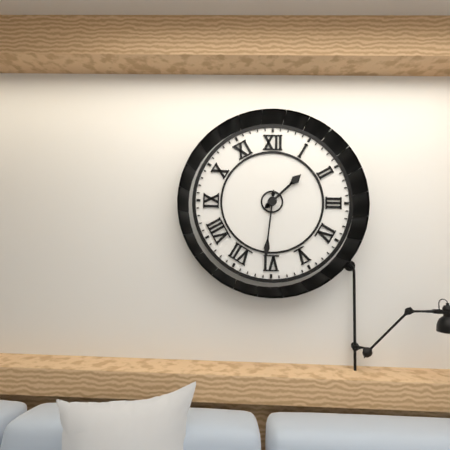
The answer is 1,31
